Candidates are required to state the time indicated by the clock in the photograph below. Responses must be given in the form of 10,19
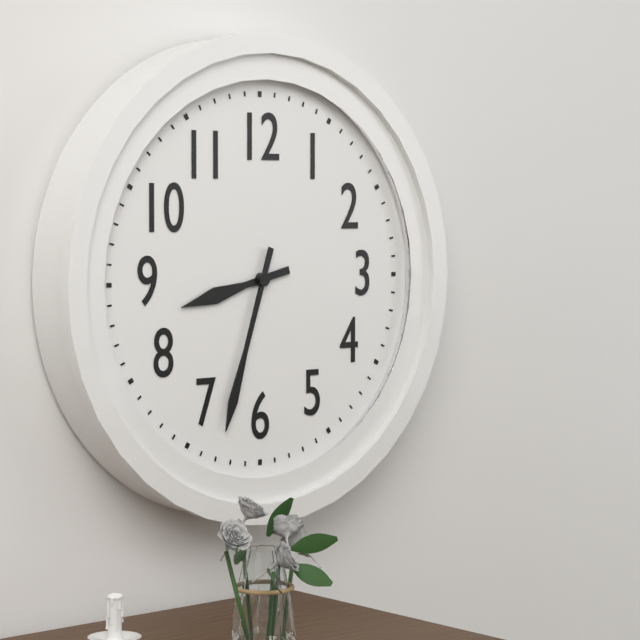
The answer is 8,33
